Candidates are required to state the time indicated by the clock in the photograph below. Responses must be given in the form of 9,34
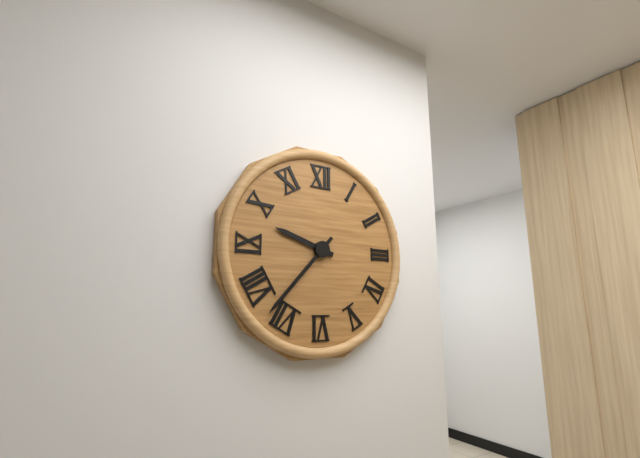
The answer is 9,37
